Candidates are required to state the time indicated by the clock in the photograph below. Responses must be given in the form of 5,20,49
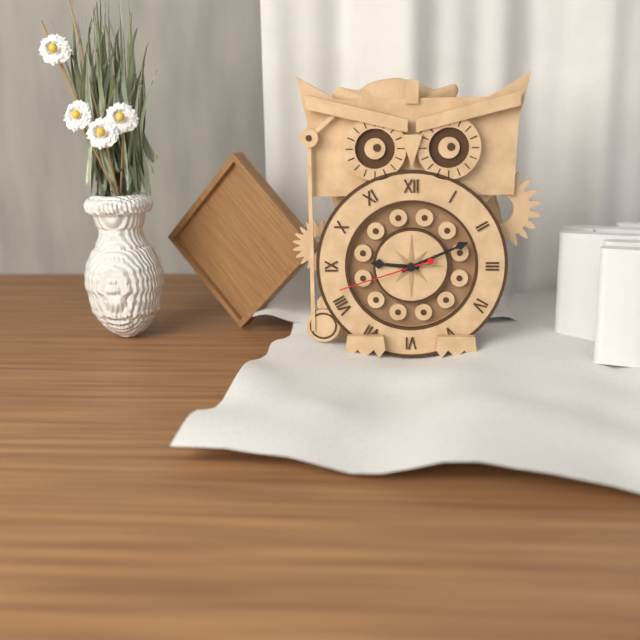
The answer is 9,11,42
